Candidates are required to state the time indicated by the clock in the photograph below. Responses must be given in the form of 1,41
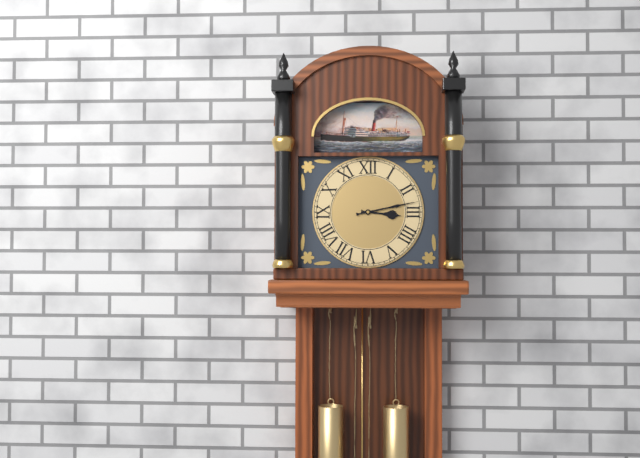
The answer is 3,13
